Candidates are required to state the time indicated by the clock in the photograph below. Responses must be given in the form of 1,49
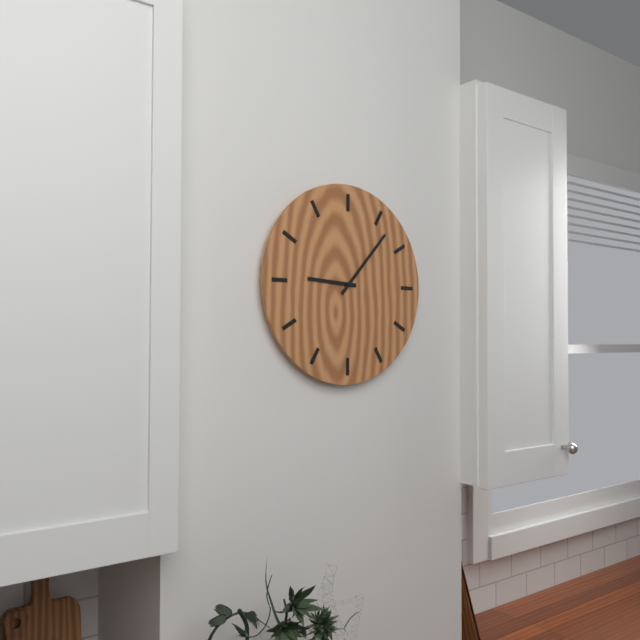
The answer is 9,07
